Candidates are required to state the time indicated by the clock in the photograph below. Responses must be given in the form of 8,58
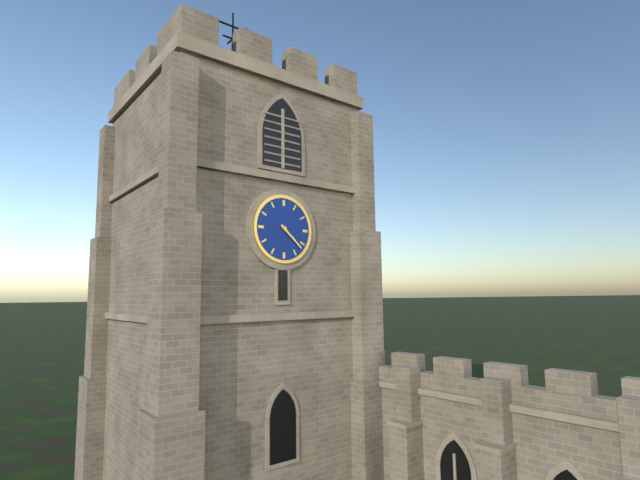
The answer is 4,22
